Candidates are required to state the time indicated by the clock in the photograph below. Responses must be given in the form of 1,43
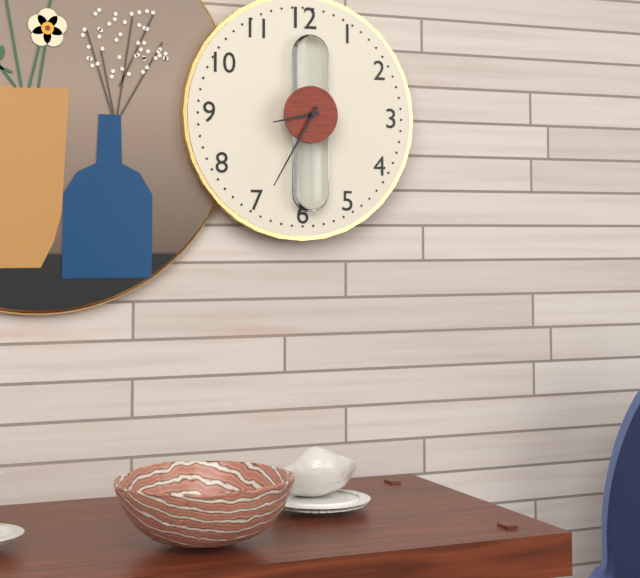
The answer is 8,35
